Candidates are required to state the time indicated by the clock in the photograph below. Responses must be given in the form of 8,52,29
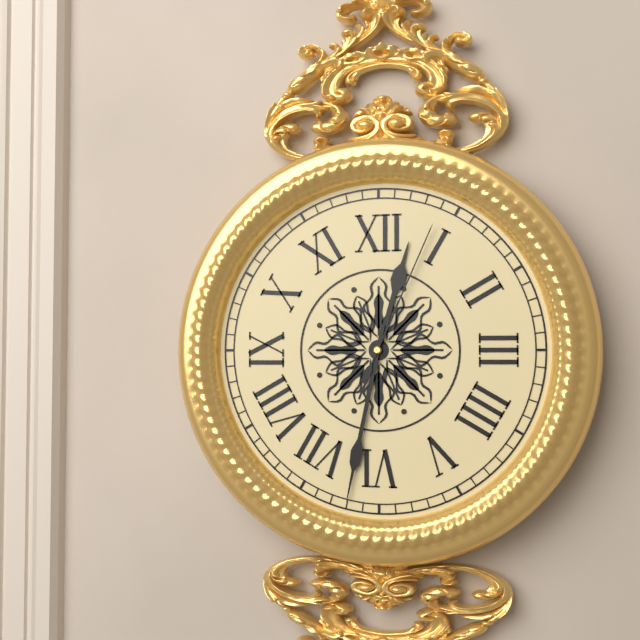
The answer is 12,32,04
